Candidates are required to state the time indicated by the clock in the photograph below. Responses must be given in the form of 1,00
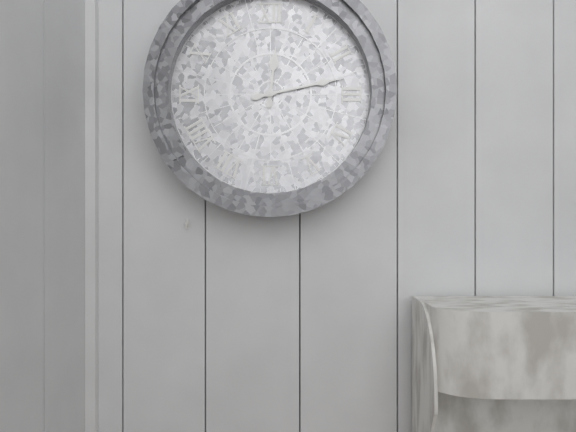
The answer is 12,13
